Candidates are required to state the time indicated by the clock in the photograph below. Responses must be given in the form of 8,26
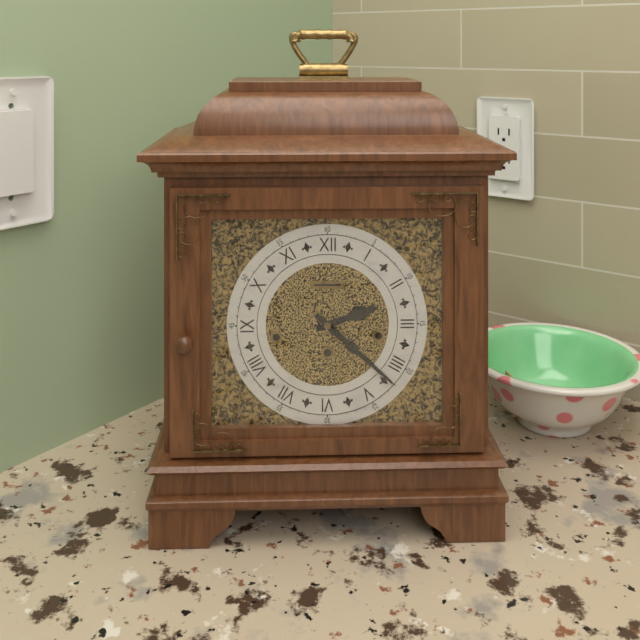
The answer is 2,22
